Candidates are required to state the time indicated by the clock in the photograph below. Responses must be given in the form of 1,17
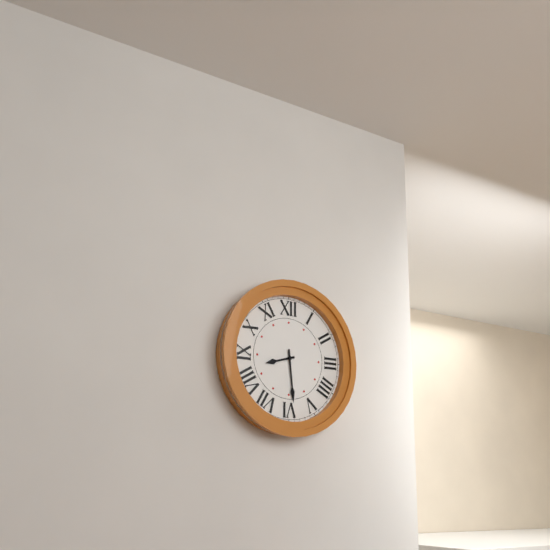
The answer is 8,29
